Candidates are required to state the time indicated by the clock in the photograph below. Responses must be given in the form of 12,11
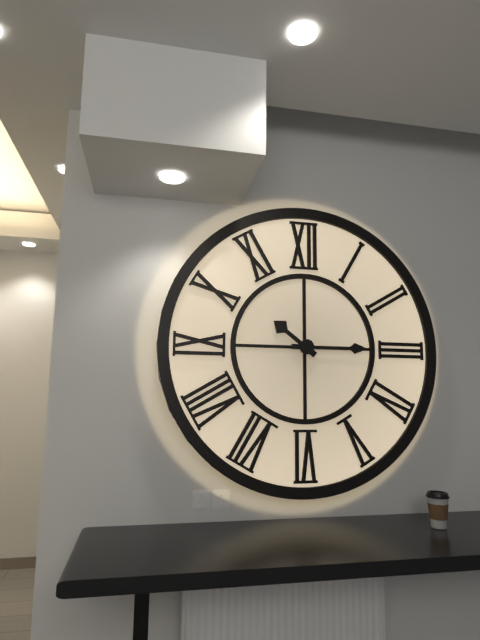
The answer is 10,15
